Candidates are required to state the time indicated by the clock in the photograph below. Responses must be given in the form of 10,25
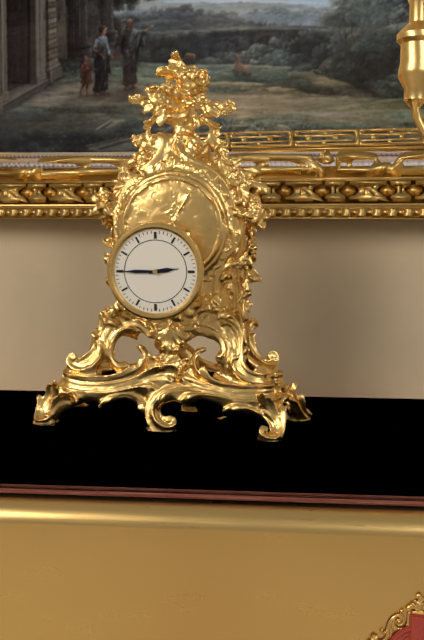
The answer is 2,45
